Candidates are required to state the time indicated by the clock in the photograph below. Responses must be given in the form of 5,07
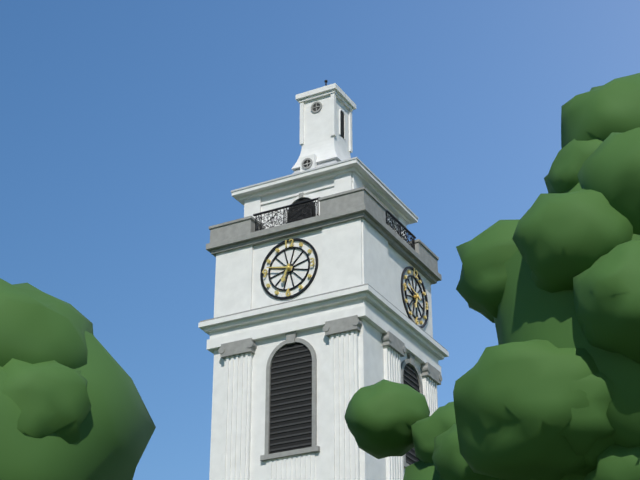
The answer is 6,47
